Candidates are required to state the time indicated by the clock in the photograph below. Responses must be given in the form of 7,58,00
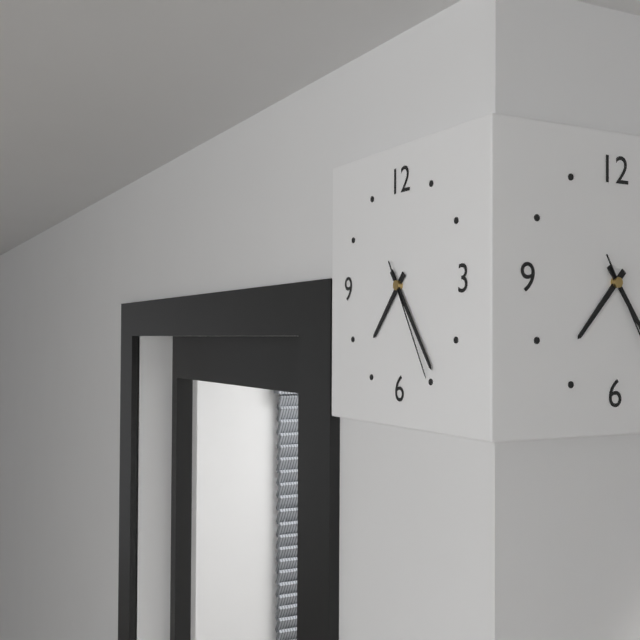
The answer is 7,24,25
